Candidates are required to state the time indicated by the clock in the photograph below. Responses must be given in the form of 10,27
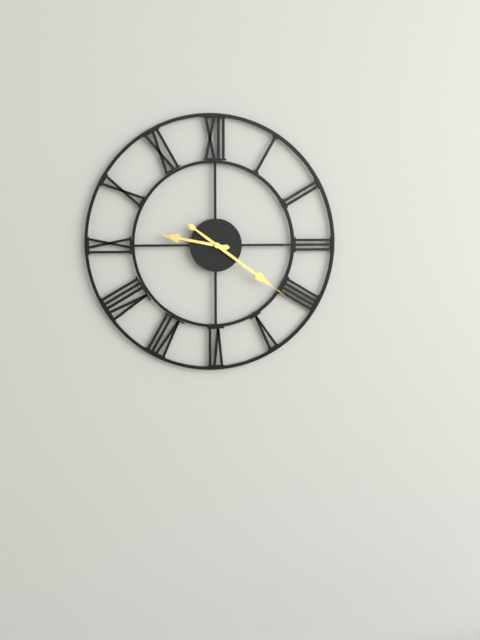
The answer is 9,21
